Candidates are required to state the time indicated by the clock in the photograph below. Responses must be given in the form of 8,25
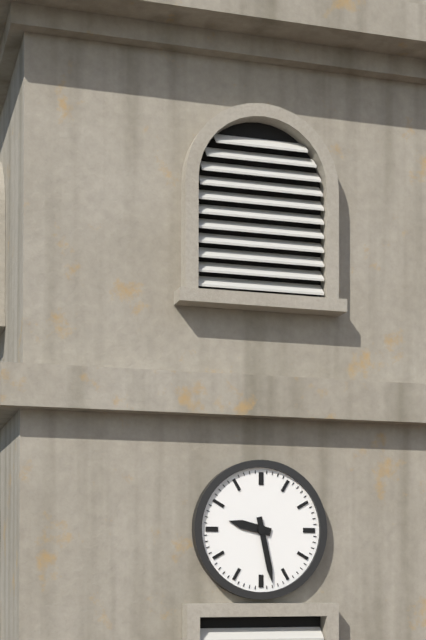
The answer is 9,28
